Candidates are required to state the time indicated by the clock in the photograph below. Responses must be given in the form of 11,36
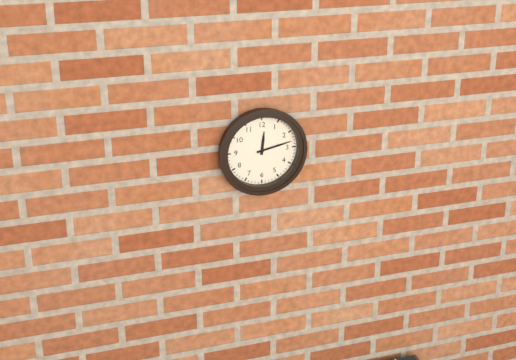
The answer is 12,13
